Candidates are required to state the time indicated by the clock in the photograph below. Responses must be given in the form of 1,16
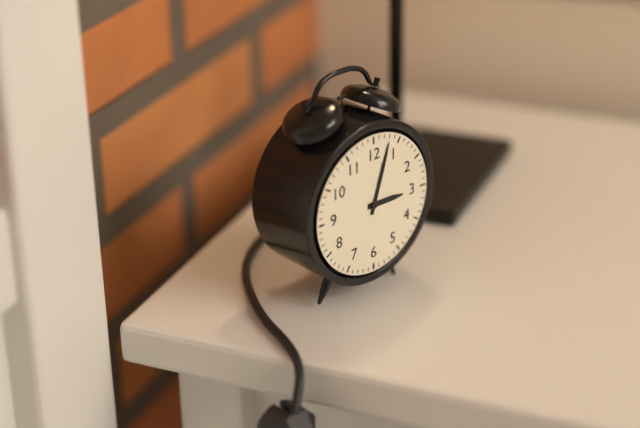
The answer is 3,03
